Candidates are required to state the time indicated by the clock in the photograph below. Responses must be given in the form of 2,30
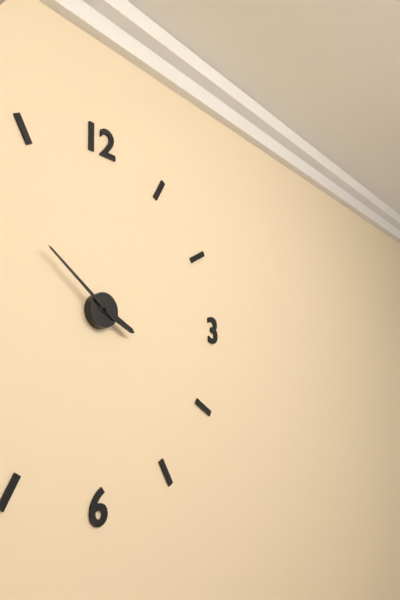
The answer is 3,51
